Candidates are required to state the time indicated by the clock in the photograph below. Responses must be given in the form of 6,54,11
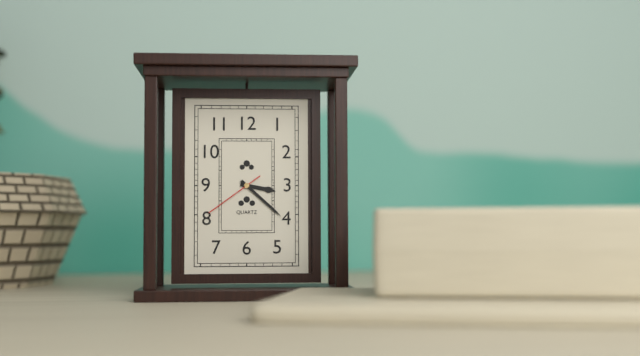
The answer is 3,22,39
